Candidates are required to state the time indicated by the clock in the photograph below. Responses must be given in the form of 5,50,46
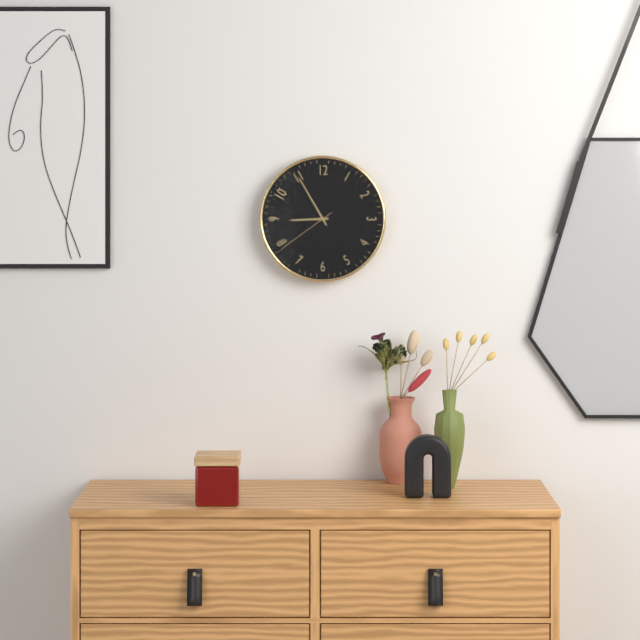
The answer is 8,55,39
